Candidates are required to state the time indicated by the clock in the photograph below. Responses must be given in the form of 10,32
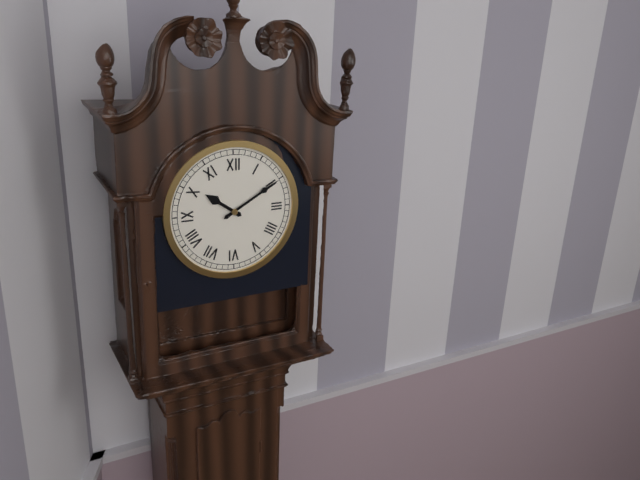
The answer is 10,10
